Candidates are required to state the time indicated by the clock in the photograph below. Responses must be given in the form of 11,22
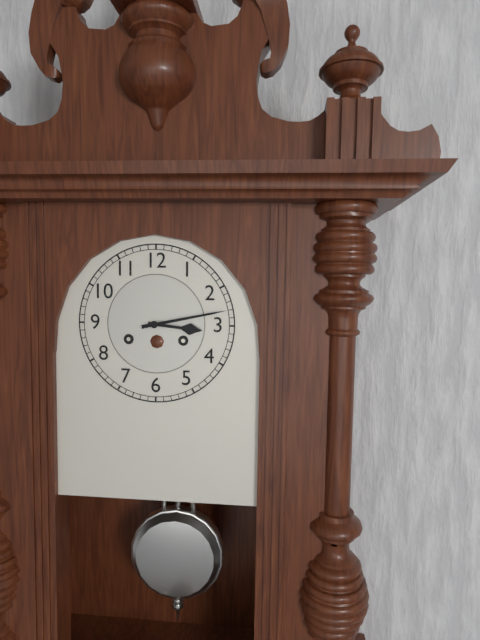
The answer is 3,13
